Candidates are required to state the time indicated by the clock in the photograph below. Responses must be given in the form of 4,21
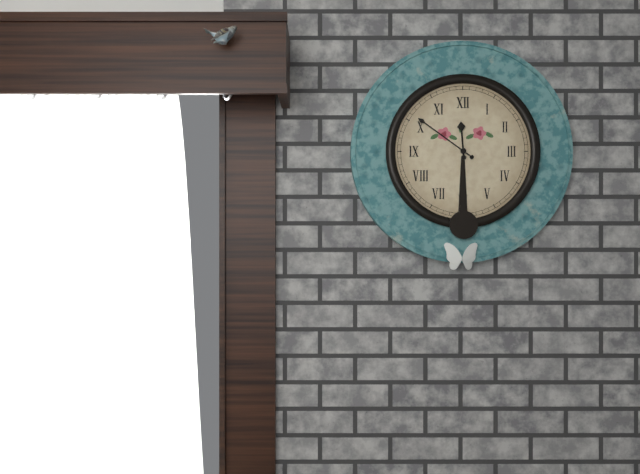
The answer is 11,51
